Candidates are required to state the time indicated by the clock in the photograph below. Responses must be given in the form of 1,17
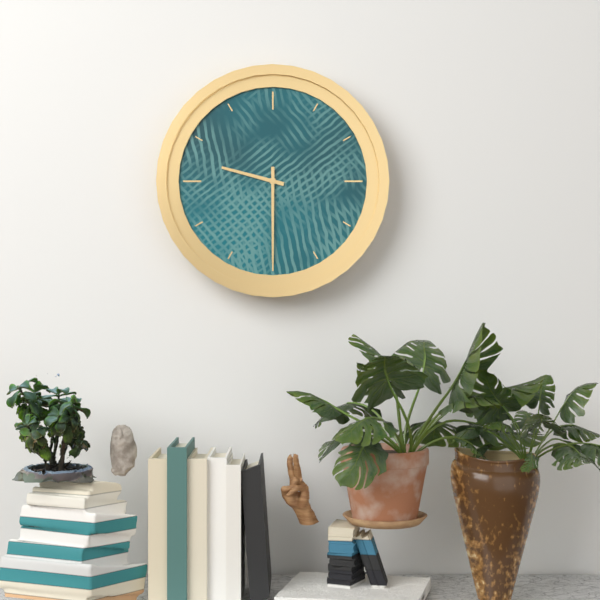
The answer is 9,30
